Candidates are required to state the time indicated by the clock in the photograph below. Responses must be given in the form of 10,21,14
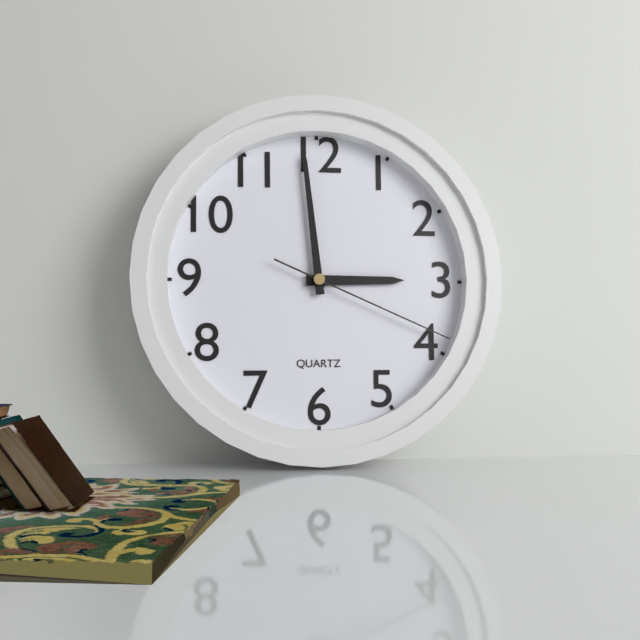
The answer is 2,59,19
